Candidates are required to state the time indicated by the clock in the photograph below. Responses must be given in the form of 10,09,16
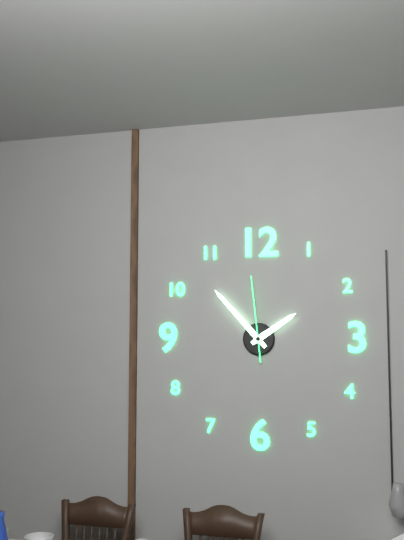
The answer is 1,53,59
